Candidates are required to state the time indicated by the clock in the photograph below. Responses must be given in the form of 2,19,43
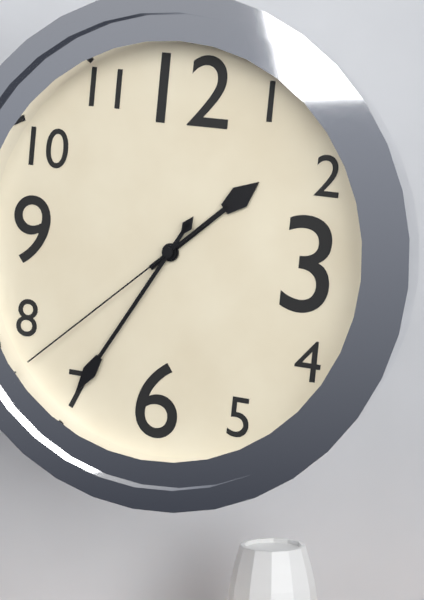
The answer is 1,35,38
